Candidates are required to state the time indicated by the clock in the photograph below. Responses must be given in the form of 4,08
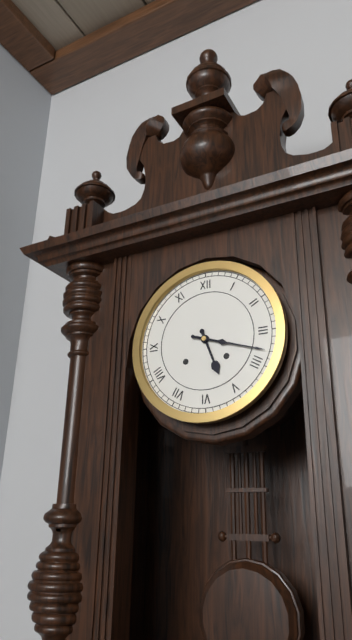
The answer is 5,18
